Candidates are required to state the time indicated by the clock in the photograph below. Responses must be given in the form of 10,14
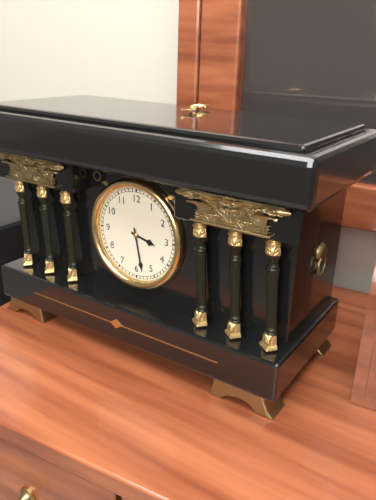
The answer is 3,28
